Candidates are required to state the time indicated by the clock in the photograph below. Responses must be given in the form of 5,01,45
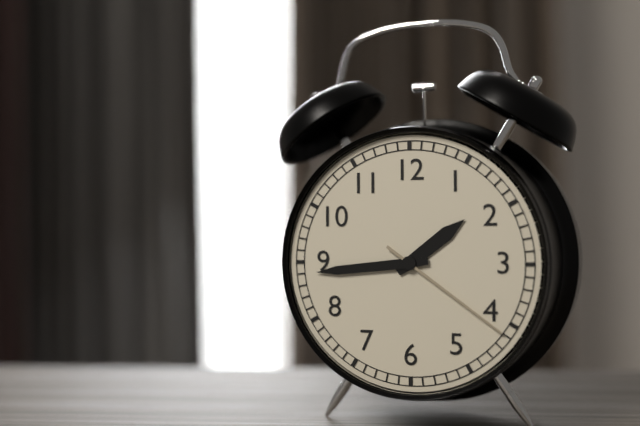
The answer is 1,44,21
